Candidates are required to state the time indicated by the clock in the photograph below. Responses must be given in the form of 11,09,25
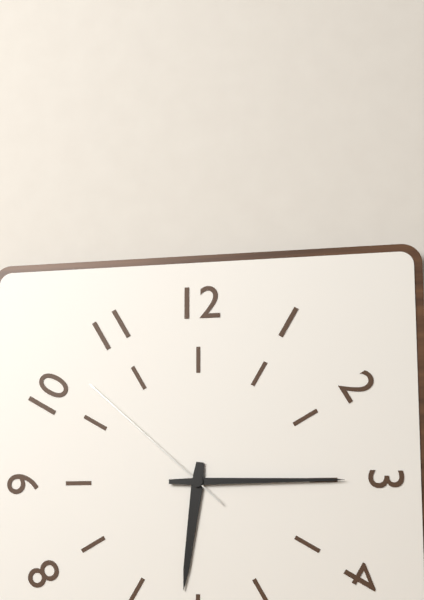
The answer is 6,15,52
